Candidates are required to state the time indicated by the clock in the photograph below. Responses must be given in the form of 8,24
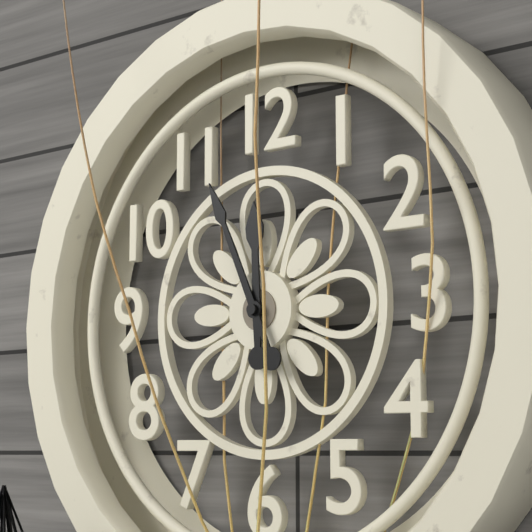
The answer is 11,56
